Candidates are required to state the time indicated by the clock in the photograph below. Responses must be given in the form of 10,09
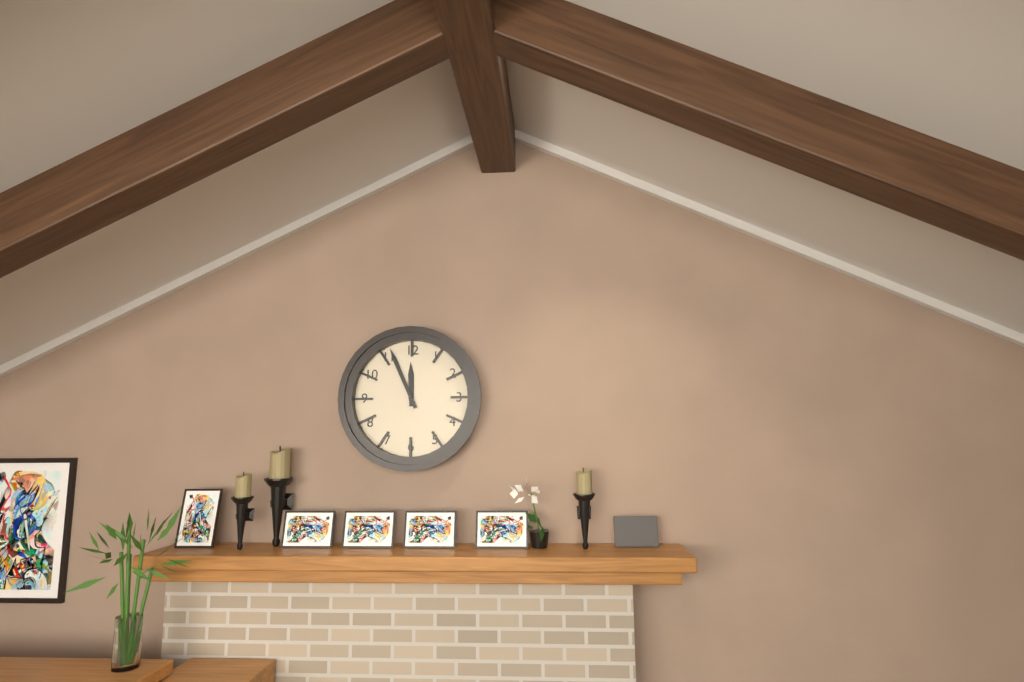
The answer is 11,56
